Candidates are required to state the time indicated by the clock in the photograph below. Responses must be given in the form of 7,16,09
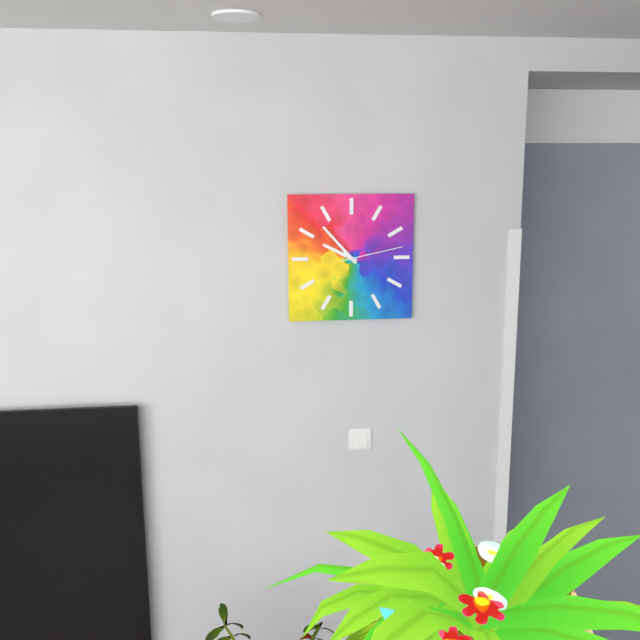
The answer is 9,53,13
